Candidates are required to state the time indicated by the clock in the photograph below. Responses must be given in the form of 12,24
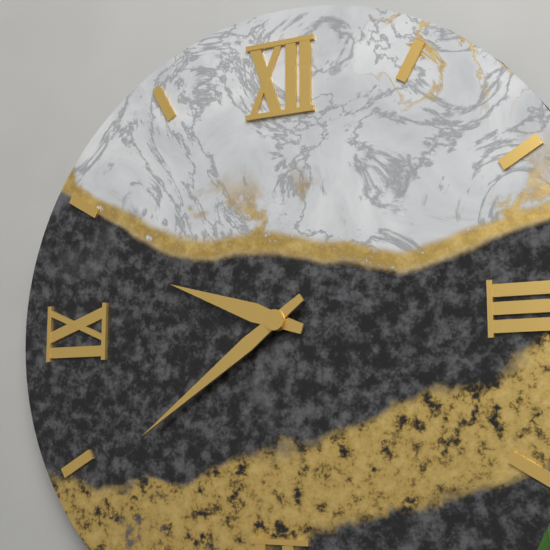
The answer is 9,39
